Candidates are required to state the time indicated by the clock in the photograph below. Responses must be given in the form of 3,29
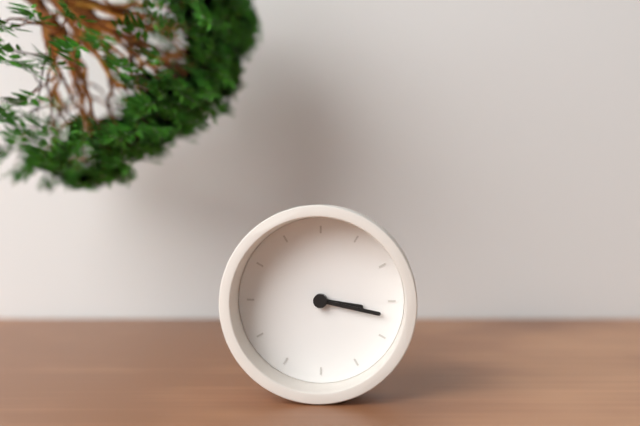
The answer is 3,17
